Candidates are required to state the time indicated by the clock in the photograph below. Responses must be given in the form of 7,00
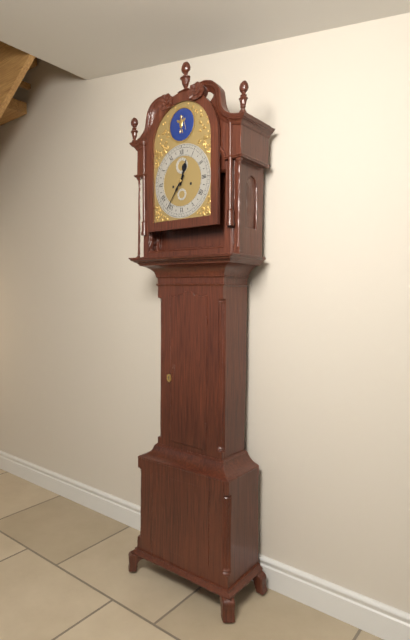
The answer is 12,36
